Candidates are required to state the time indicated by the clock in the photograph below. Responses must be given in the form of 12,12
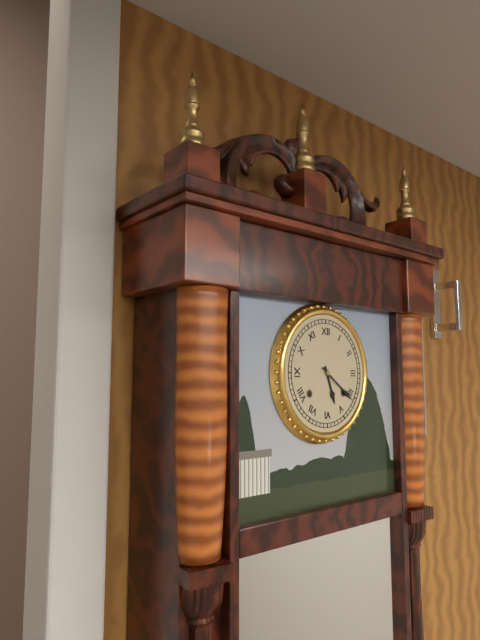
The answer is 5,21
